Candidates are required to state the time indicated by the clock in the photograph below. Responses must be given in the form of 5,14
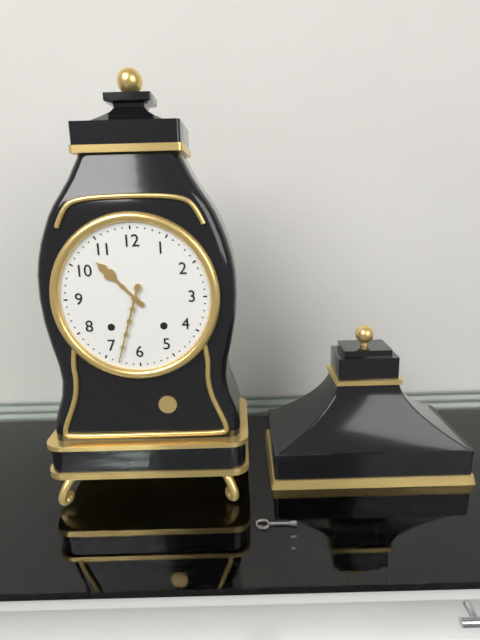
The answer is 10,33
